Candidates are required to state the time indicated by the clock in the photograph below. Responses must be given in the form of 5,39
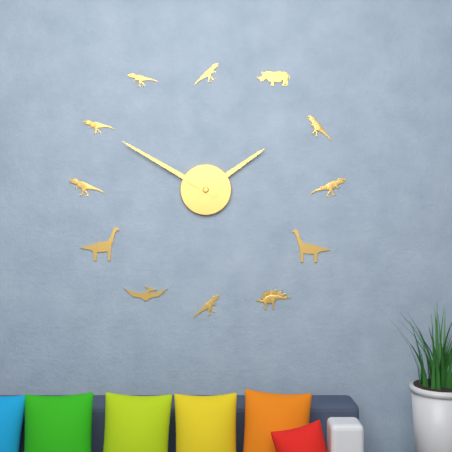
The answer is 1,50
